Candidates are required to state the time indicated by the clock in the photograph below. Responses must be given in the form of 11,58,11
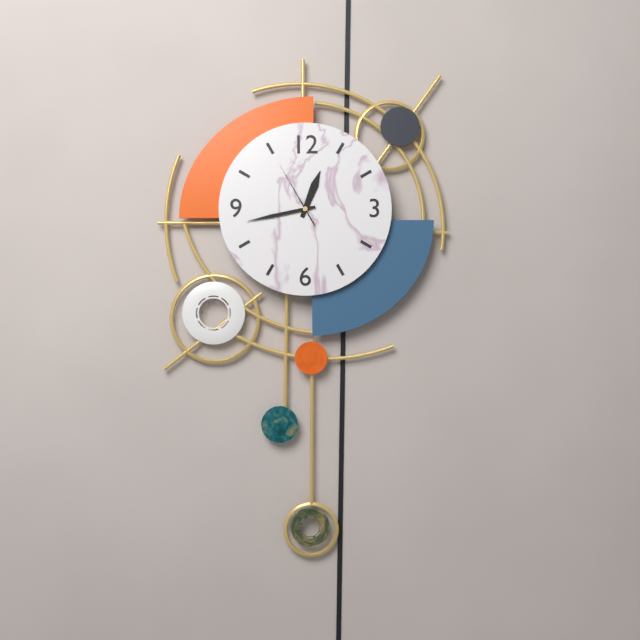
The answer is 12,43,55
